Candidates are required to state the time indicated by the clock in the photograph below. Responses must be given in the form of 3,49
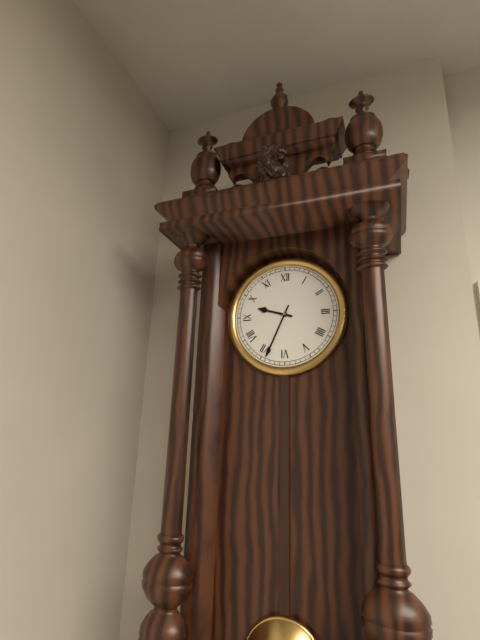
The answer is 9,34
